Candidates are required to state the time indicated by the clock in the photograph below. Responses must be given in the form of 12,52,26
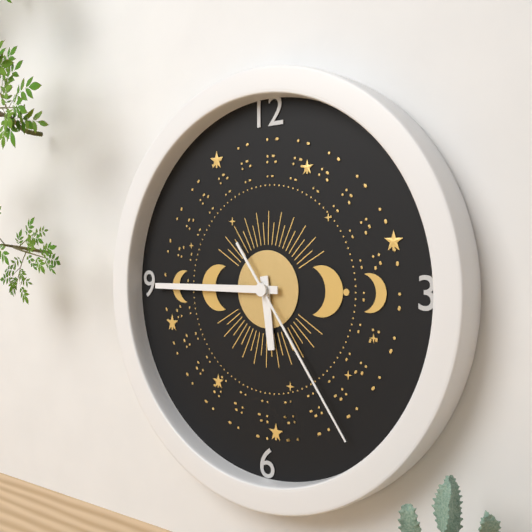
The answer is 5,45,24
